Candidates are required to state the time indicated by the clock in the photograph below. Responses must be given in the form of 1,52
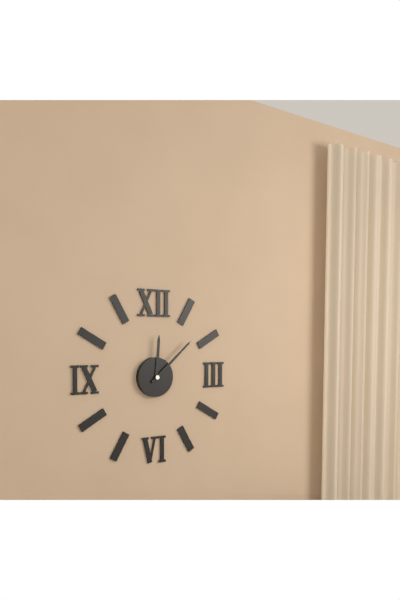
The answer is 12,08
